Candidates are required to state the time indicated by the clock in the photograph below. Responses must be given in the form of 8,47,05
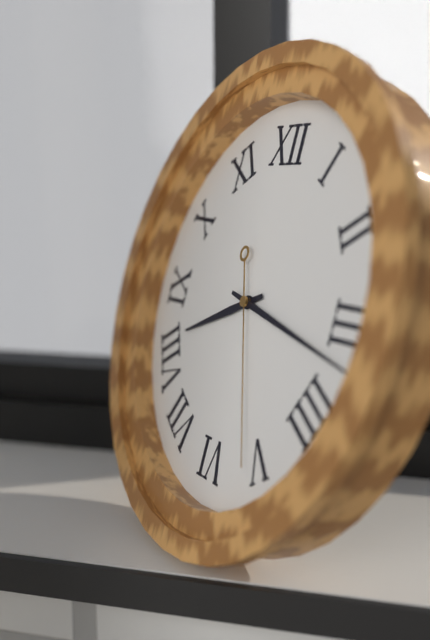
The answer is 8,17,26
